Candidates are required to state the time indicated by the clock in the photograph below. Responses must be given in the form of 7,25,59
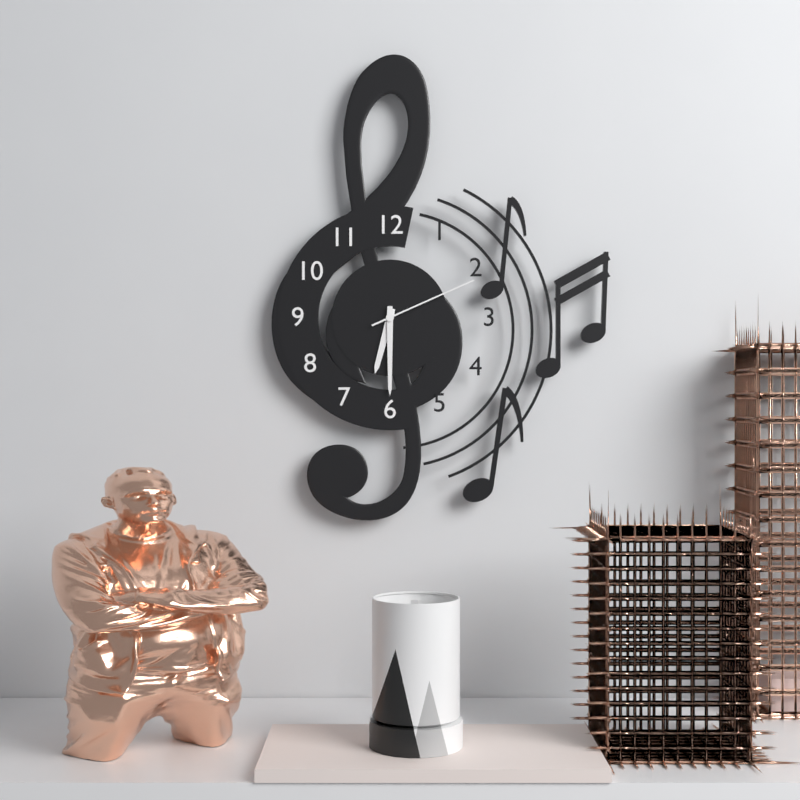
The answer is 6,30,11
